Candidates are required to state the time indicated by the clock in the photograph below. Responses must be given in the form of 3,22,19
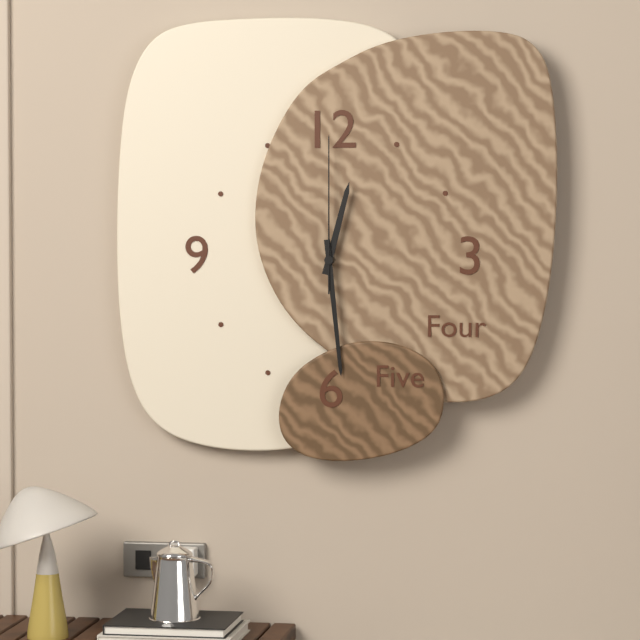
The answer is 12,29,00
